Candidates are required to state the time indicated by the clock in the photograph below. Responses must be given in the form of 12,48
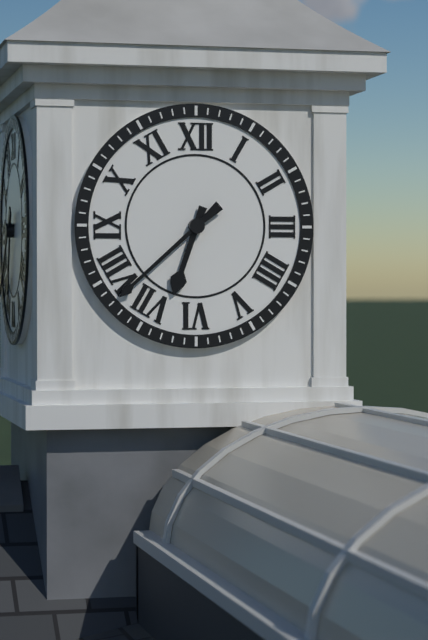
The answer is 6,38
